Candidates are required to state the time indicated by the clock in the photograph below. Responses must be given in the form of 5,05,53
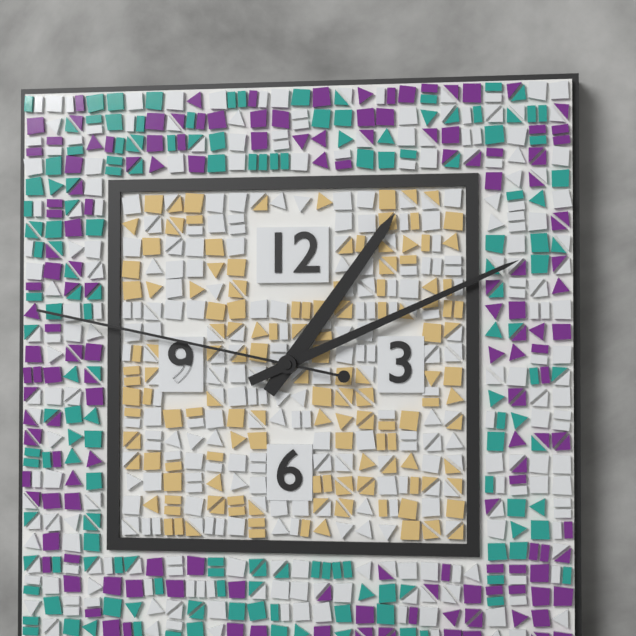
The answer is 1,11,47
